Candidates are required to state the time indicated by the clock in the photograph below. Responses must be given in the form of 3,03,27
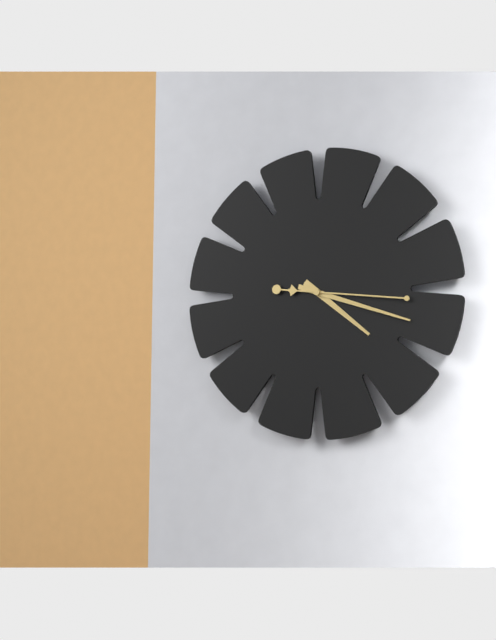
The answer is 4,18,16
